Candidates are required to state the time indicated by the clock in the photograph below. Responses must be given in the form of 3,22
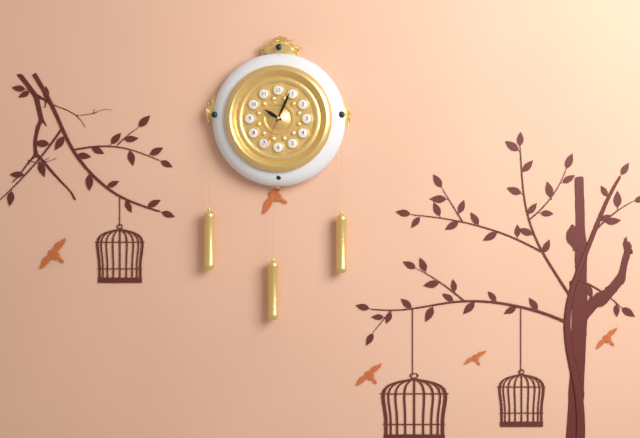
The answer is 10,04
